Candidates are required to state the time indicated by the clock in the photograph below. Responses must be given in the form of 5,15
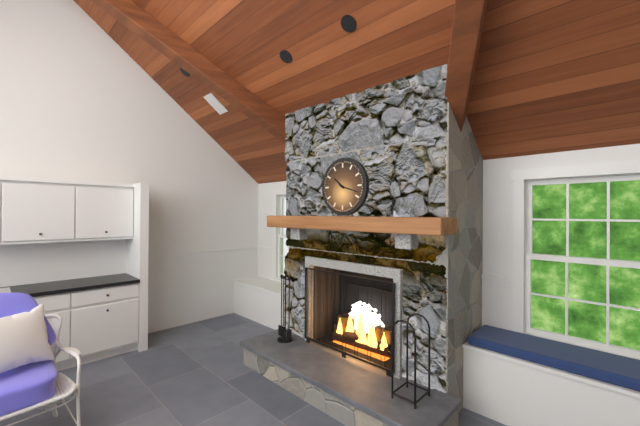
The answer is 10,18
